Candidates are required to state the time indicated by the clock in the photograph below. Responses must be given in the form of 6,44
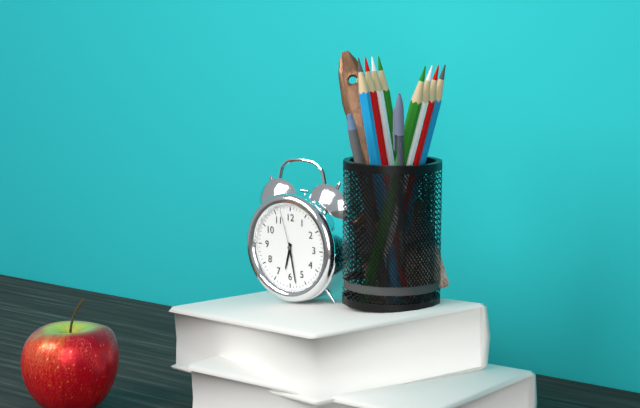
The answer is 6,28
